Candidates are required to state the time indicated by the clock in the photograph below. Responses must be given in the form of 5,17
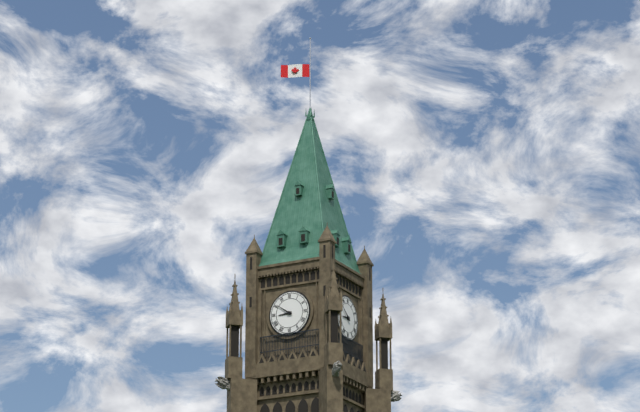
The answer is 8,51
